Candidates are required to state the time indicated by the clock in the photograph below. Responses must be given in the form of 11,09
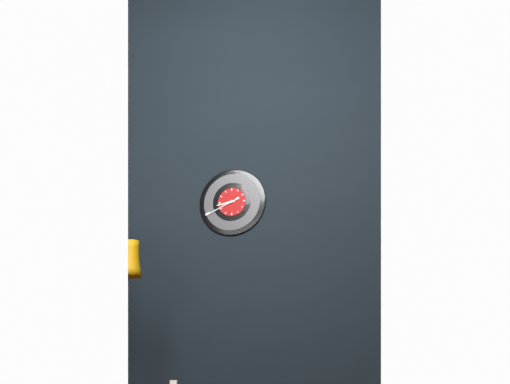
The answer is 8,41
